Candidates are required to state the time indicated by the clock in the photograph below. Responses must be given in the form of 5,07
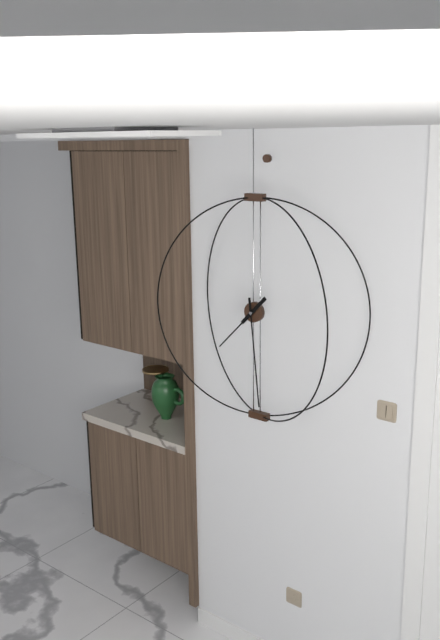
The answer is 7,29
